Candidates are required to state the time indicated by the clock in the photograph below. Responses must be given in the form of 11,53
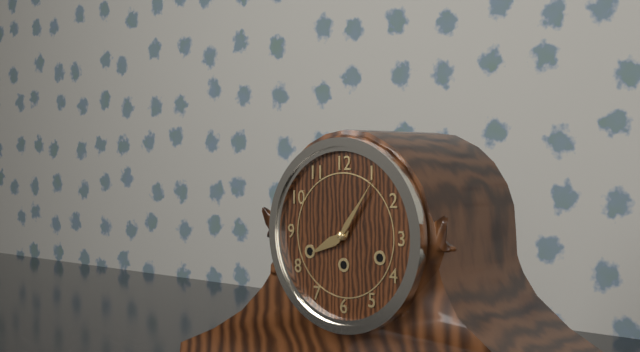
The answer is 8,06
